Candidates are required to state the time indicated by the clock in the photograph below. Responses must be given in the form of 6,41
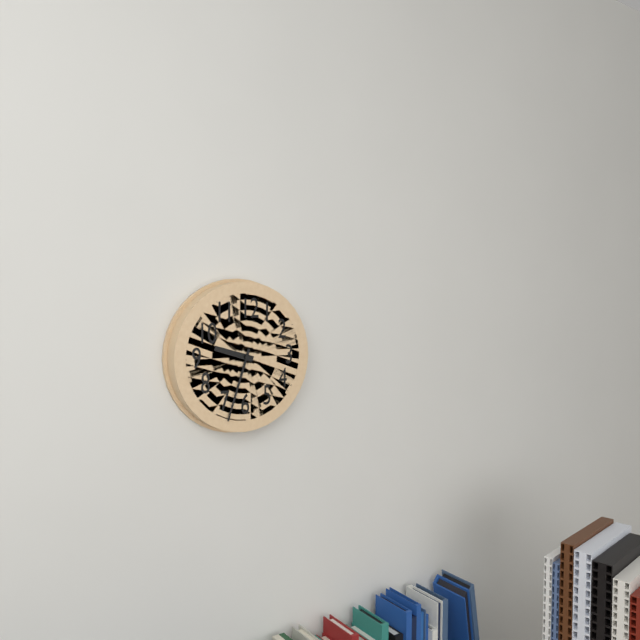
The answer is 9,33
